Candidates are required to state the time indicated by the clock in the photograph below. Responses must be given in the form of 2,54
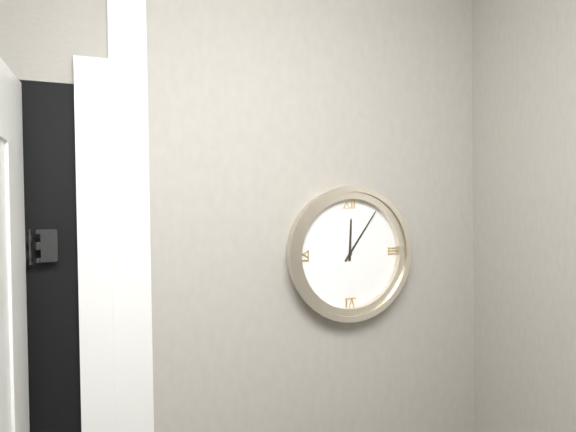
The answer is 12,06
